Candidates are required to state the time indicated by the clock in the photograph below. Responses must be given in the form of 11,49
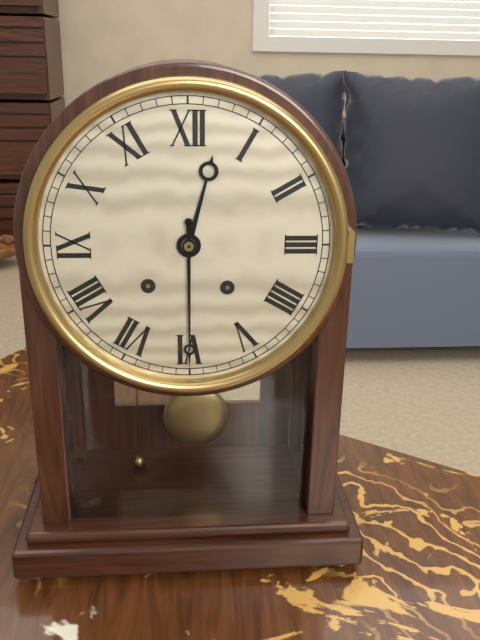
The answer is 12,30
